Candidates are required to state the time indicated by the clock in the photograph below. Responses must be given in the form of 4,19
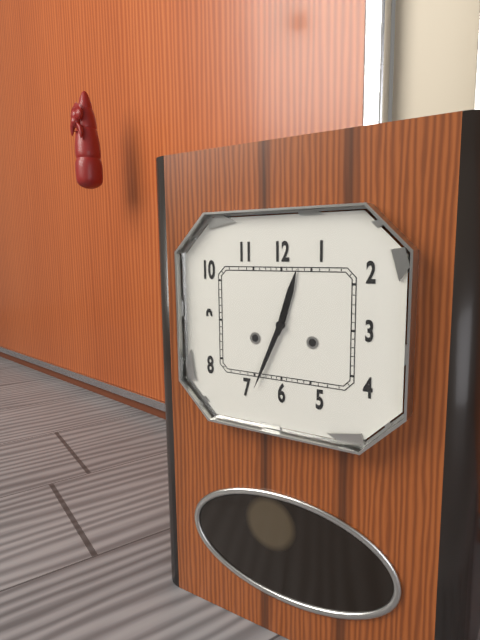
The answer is 12,34
